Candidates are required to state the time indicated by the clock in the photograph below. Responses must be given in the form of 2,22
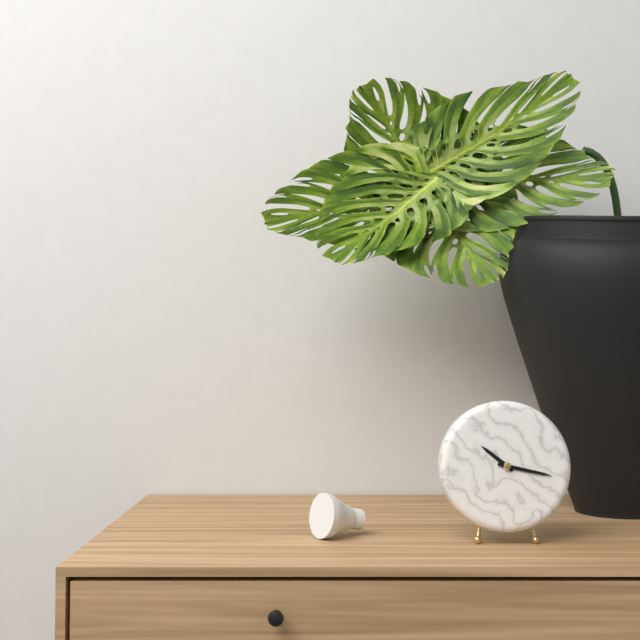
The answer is 10,17
